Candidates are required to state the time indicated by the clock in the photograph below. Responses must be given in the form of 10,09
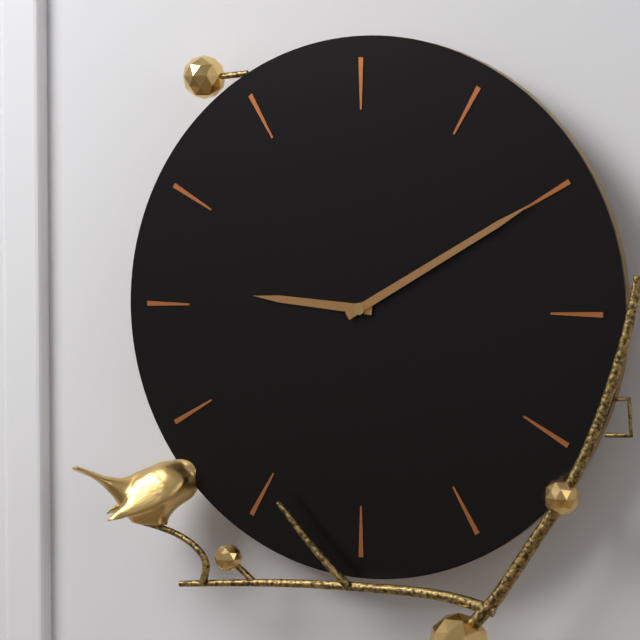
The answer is 9,10
